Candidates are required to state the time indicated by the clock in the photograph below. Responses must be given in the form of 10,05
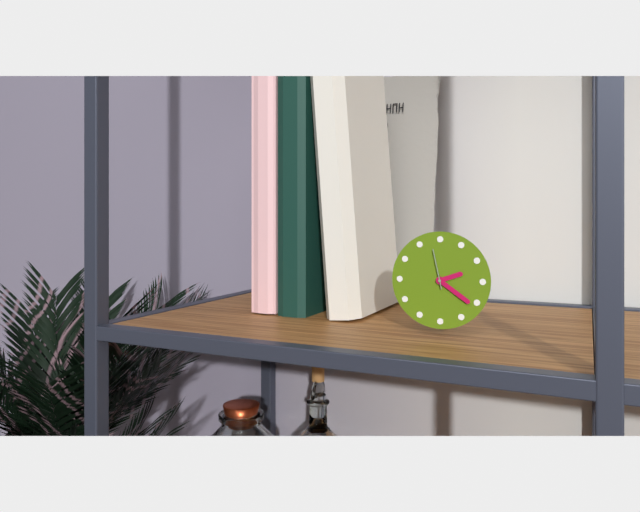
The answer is 2,21
